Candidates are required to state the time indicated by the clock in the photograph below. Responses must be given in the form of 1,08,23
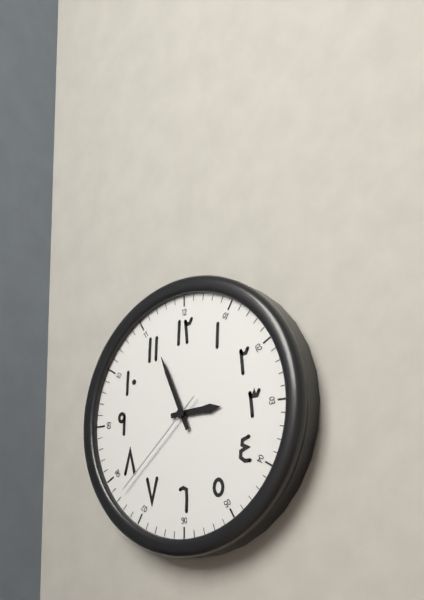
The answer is 2,56,38
